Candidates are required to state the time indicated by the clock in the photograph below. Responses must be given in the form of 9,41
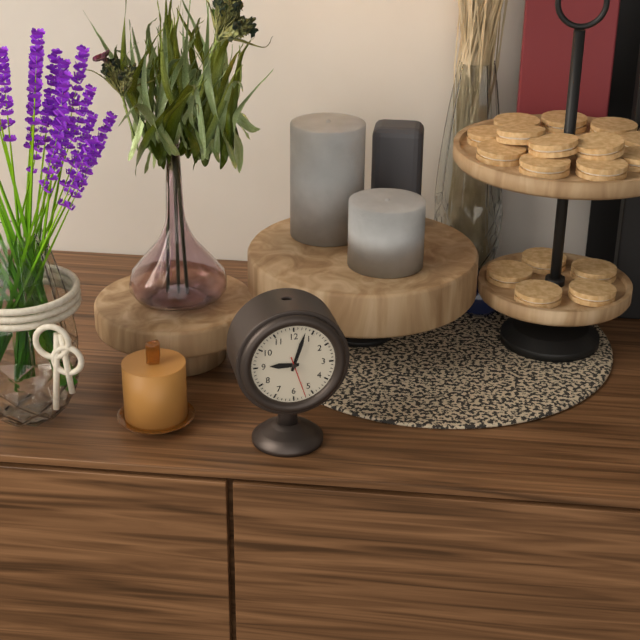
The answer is 9,03
